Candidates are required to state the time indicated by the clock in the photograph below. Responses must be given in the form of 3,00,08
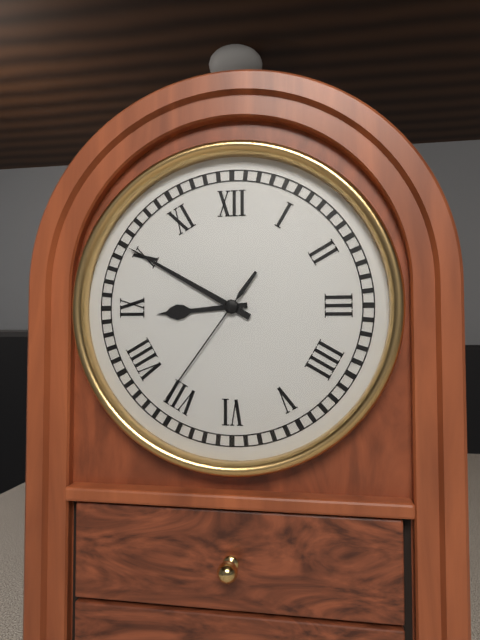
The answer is 8,50,36
